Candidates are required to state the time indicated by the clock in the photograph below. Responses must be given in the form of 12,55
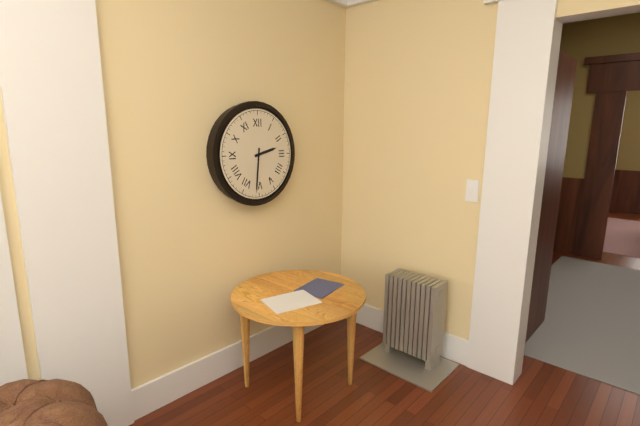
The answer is 2,31
